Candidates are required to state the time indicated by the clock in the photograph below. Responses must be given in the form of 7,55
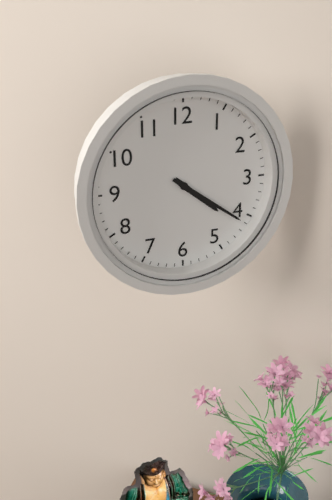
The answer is 4,21
